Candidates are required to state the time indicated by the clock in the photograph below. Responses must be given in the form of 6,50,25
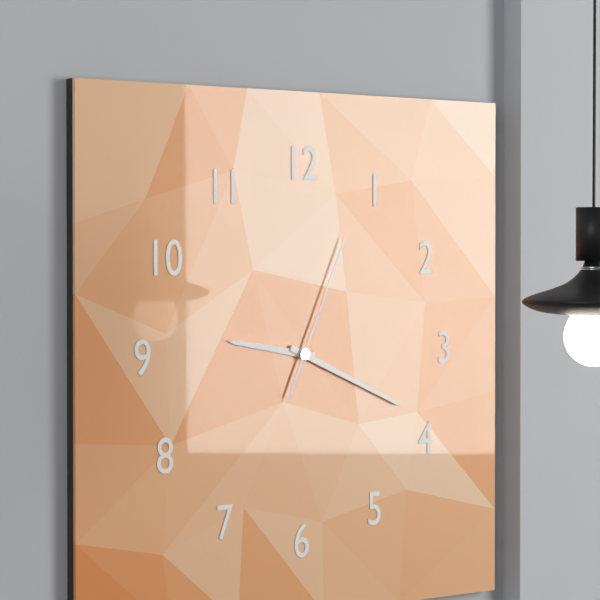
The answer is 9,19,04
